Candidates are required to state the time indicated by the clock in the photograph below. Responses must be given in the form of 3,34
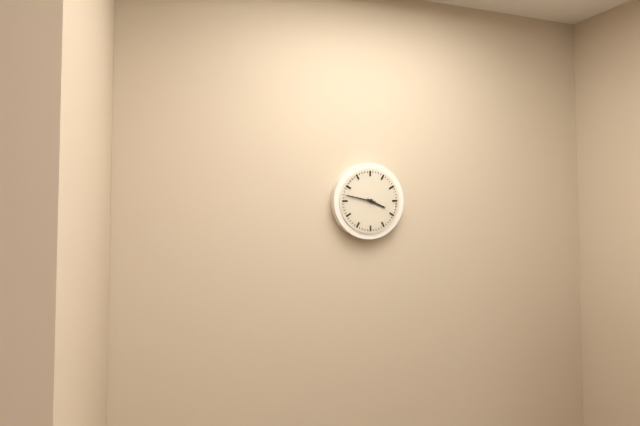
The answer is 3,47
